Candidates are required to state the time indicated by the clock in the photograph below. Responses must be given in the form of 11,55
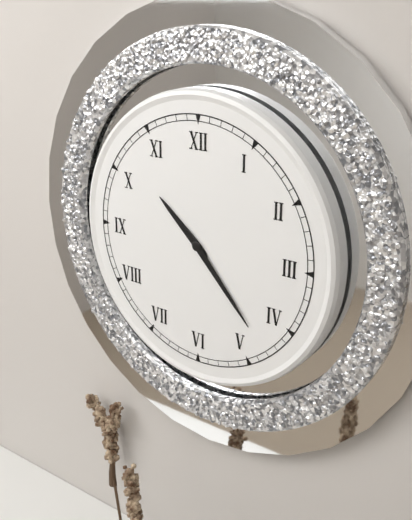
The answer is 10,23
